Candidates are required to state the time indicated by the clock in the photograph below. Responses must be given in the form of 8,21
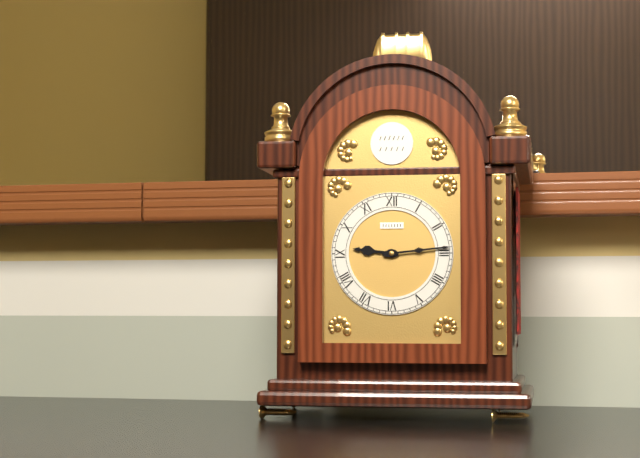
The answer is 9,14
